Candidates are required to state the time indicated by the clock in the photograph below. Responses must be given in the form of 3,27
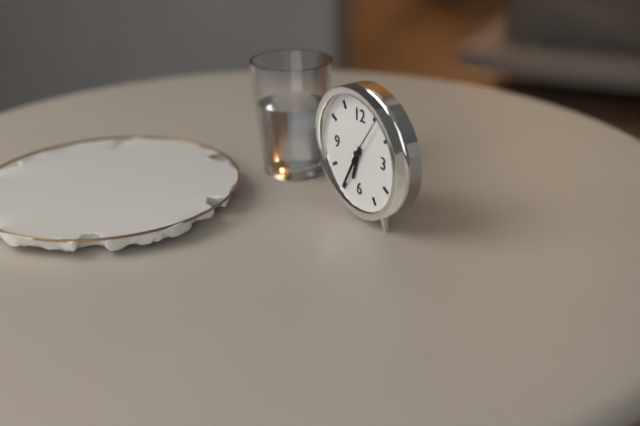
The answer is 6,35
